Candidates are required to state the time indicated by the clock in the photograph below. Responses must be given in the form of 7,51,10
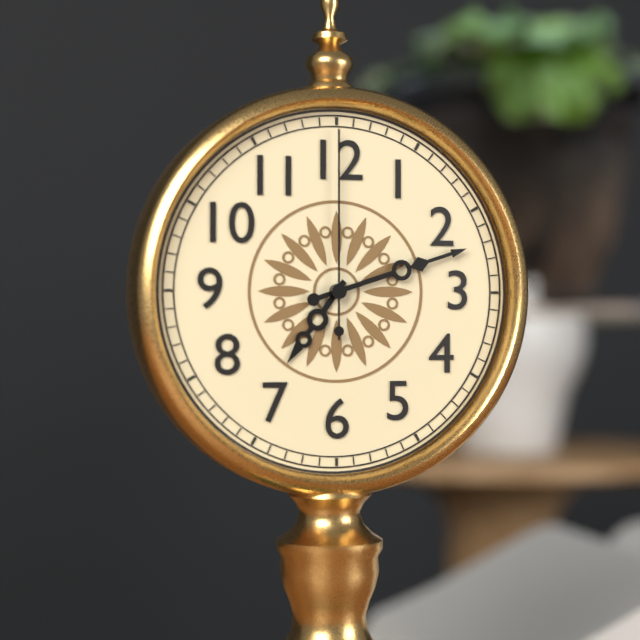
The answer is 7,12,00
